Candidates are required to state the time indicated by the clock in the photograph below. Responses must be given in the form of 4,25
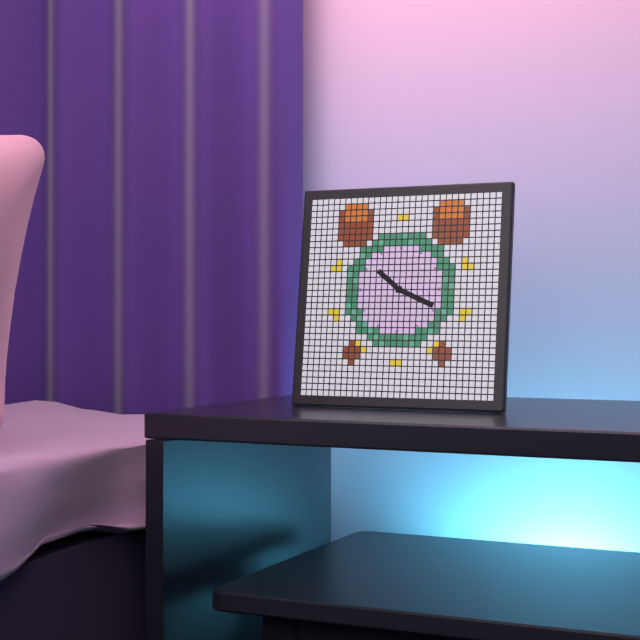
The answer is 10,19
